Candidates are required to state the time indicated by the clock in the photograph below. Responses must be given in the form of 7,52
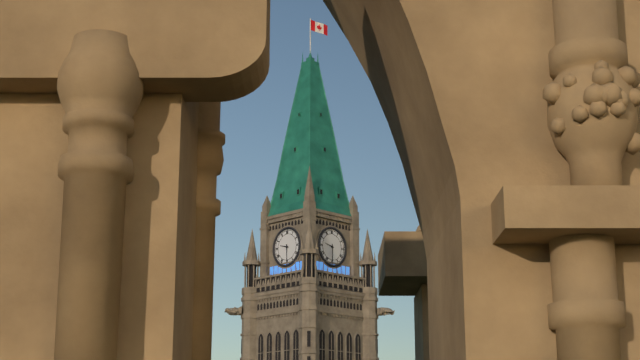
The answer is 9,30
